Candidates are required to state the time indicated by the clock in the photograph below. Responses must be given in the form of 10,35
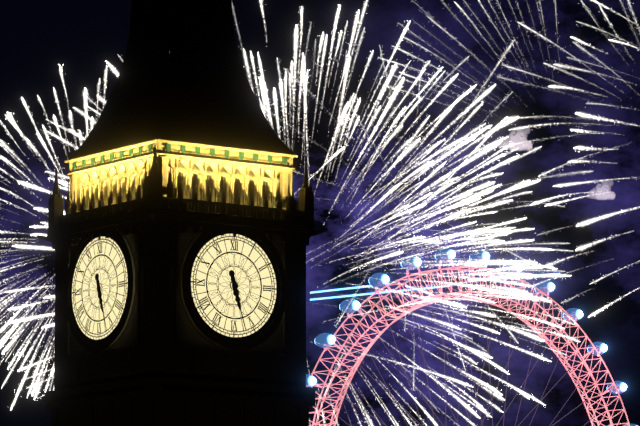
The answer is 5,27
